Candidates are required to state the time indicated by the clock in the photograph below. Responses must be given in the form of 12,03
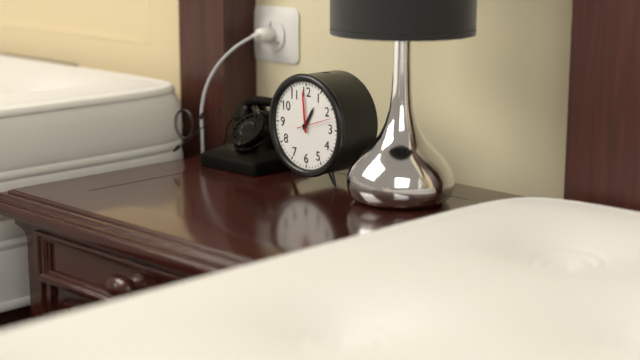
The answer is 12,59
